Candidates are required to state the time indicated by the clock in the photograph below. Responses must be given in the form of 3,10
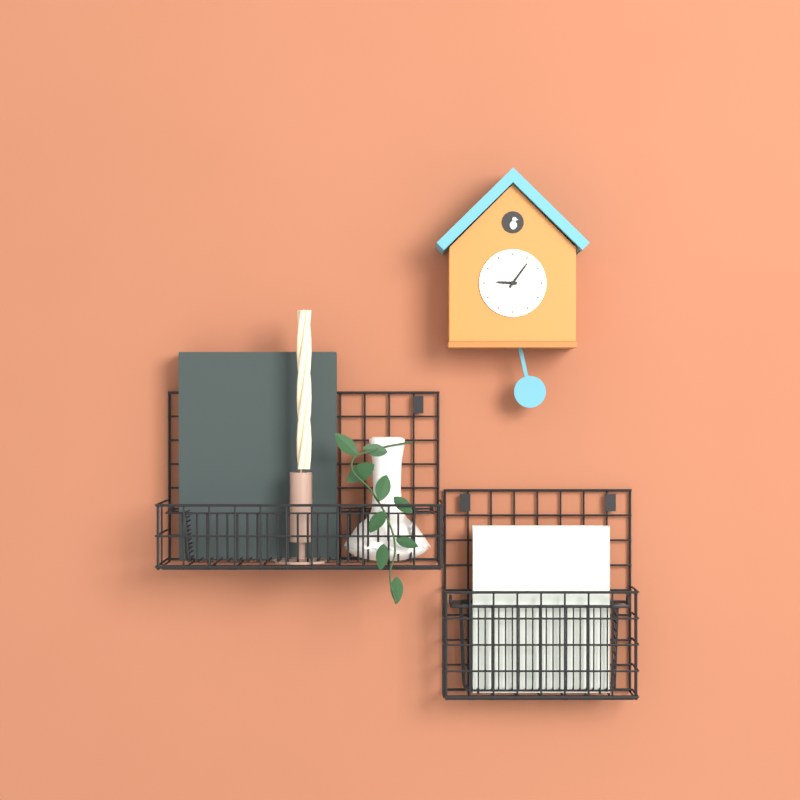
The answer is 9,06
